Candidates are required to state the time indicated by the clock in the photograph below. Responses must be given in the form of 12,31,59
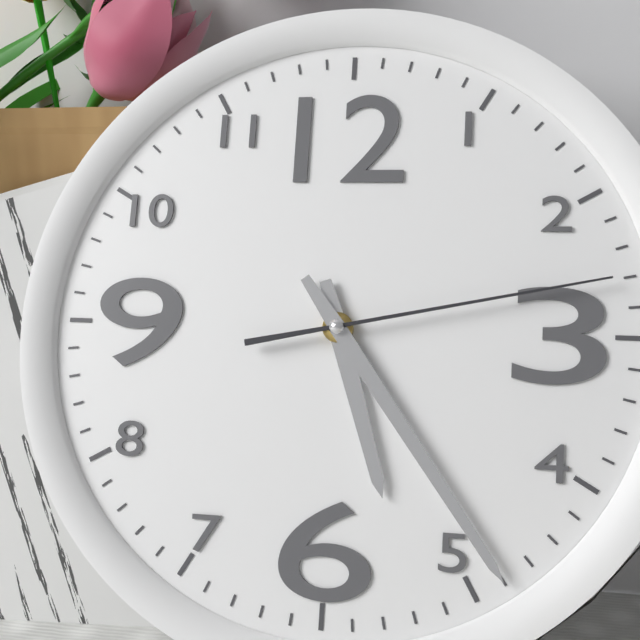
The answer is 5,24,13
